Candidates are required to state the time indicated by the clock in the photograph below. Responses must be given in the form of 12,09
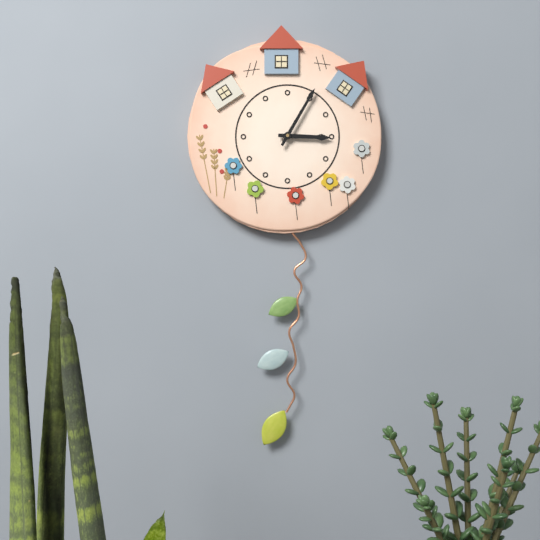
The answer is 3,05
